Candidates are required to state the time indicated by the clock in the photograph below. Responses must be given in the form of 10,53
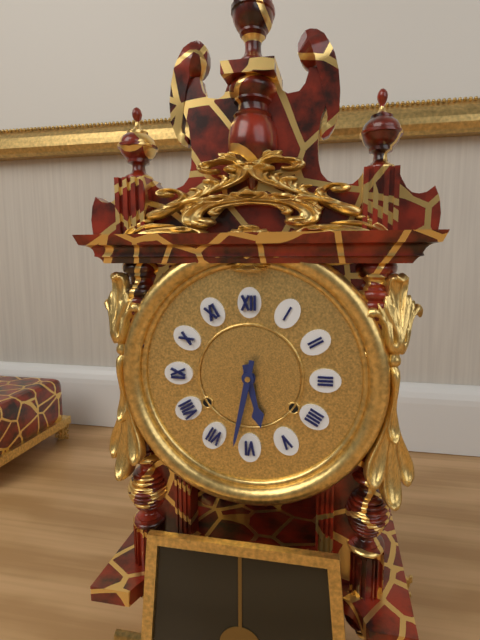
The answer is 5,32
